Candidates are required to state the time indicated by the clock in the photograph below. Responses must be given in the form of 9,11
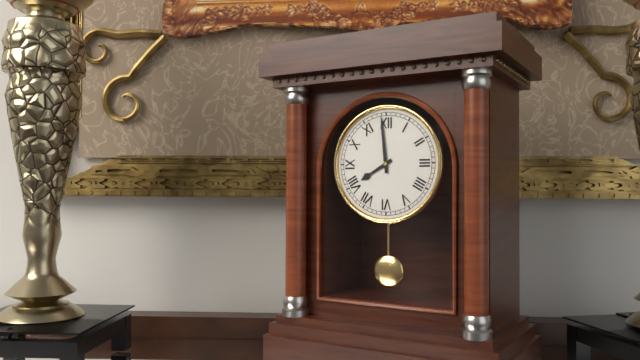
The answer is 7,59
